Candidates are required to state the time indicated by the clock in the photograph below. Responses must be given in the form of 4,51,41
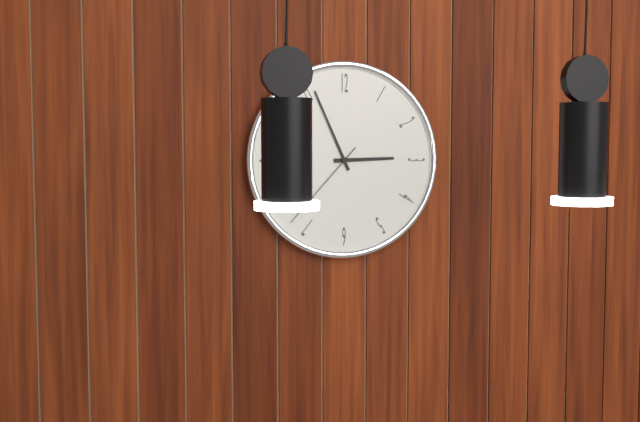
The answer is 2,56,37
